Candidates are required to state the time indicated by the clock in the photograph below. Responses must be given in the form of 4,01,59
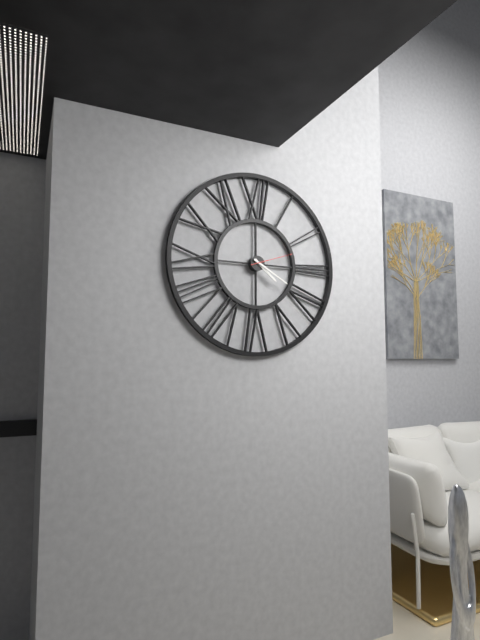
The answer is 4,20,12
